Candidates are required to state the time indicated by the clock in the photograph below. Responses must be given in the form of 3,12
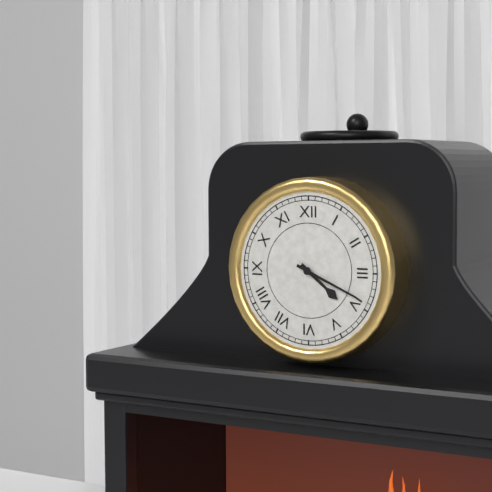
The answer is 4,19
